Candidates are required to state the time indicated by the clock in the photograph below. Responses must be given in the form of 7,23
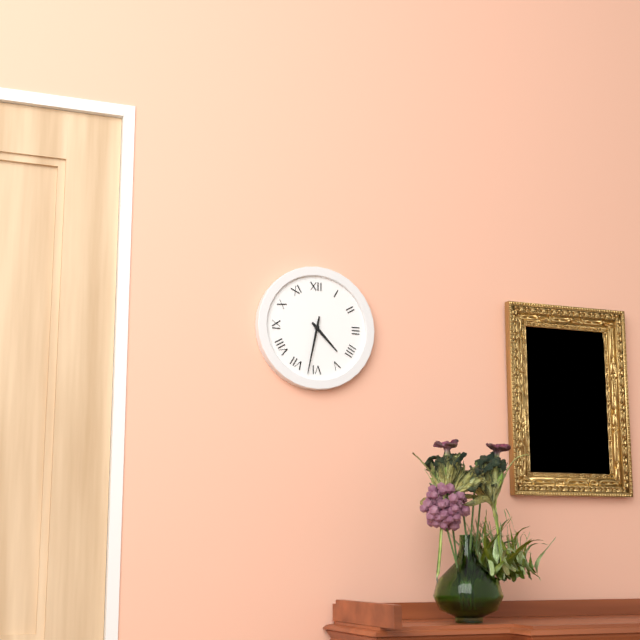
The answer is 4,32
